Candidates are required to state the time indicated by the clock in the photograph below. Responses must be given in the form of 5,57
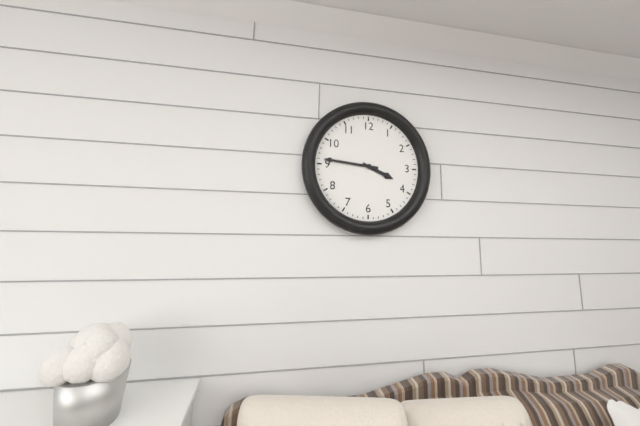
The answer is 3,46
